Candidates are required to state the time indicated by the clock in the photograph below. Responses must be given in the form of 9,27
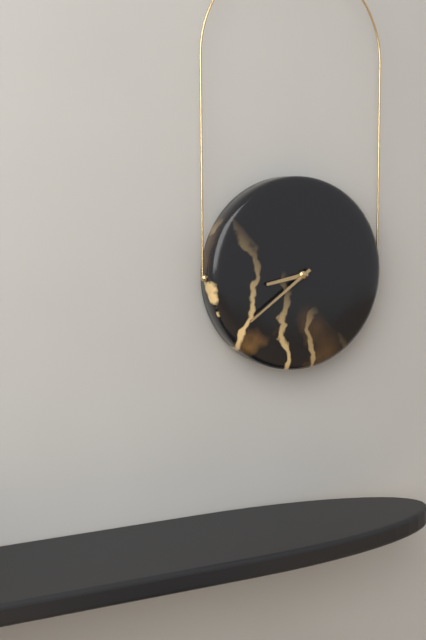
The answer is 8,39
